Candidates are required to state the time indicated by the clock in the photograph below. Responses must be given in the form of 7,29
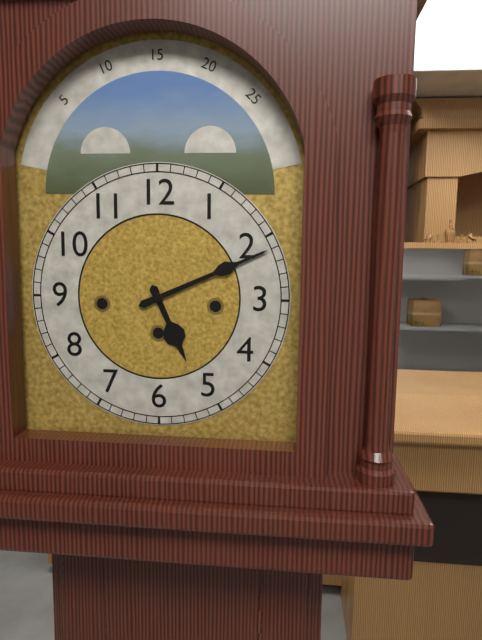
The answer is 5,11
